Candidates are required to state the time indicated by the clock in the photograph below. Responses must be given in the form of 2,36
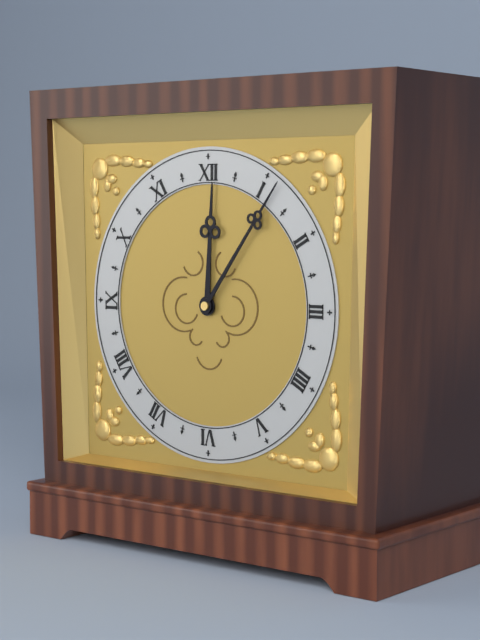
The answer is 12,06
